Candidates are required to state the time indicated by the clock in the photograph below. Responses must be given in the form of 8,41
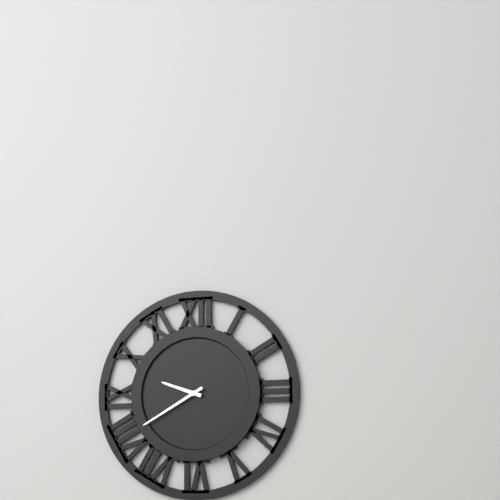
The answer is 9,40
